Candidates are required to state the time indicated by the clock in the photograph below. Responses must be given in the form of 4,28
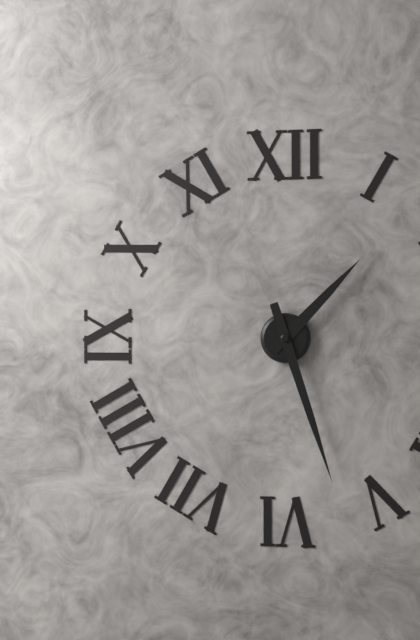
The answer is 1,27
